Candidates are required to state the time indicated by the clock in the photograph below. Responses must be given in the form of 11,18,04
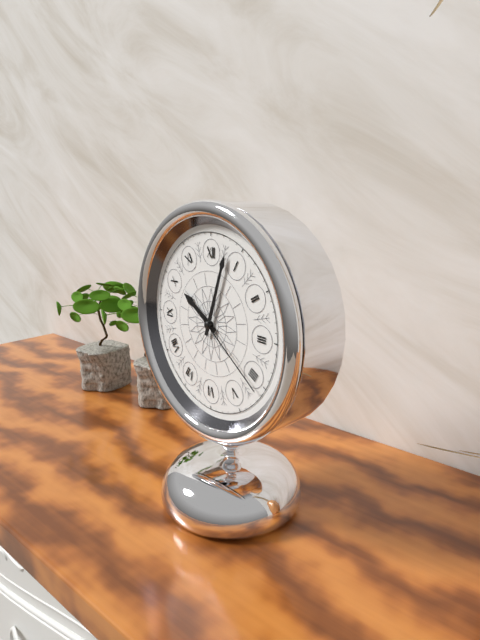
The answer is 10,03,21
